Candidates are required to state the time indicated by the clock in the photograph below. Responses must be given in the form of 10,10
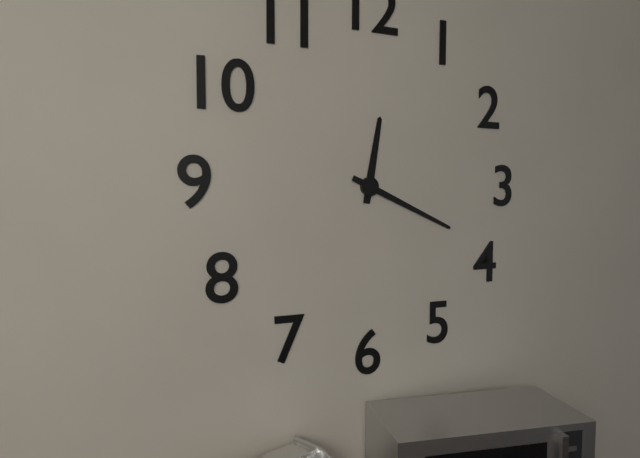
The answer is 12,19
